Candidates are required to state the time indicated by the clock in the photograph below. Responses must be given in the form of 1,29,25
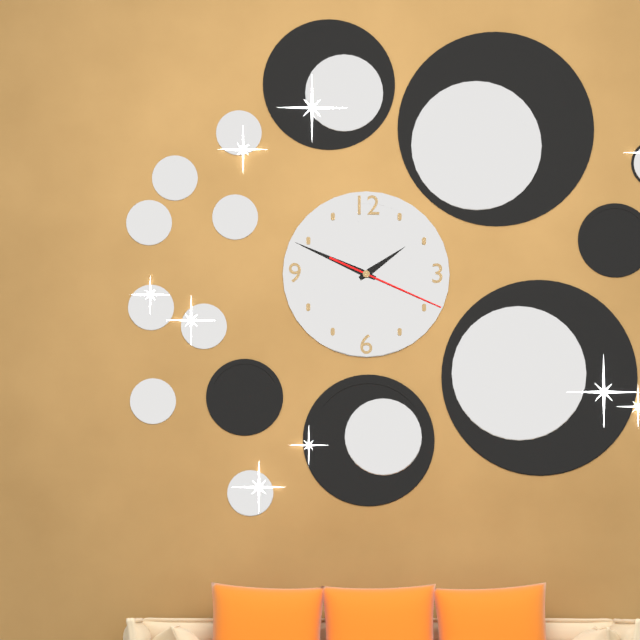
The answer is 1,49,19
